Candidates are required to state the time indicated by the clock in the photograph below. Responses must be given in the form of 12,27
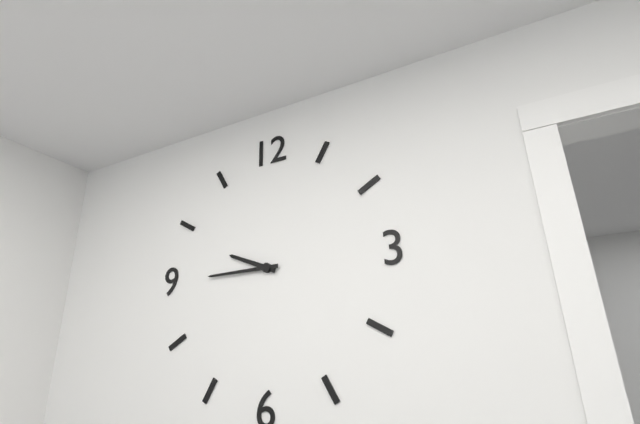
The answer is 9,45
